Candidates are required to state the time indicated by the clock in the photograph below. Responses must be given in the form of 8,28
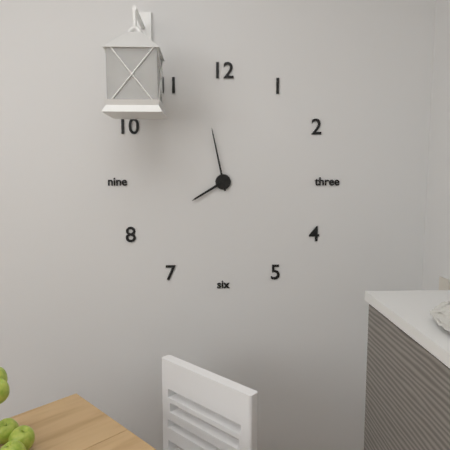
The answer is 7,58
